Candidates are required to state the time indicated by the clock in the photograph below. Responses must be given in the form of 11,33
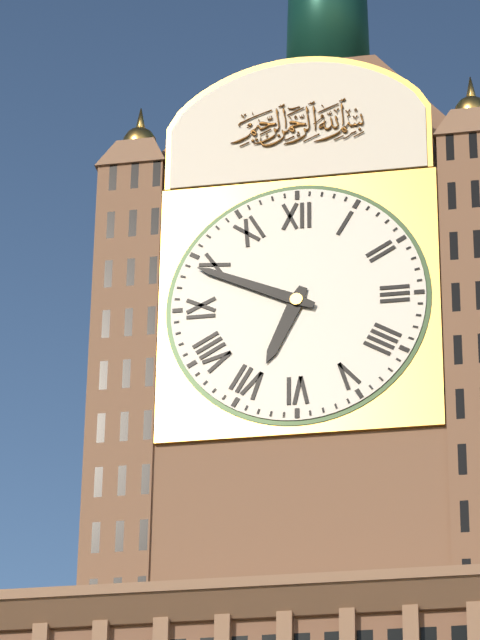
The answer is 6,49
